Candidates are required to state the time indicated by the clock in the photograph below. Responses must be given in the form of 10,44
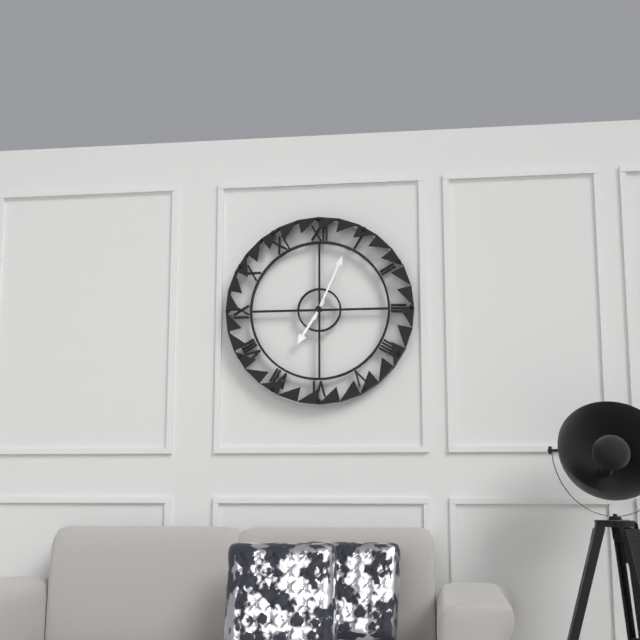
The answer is 7,04
